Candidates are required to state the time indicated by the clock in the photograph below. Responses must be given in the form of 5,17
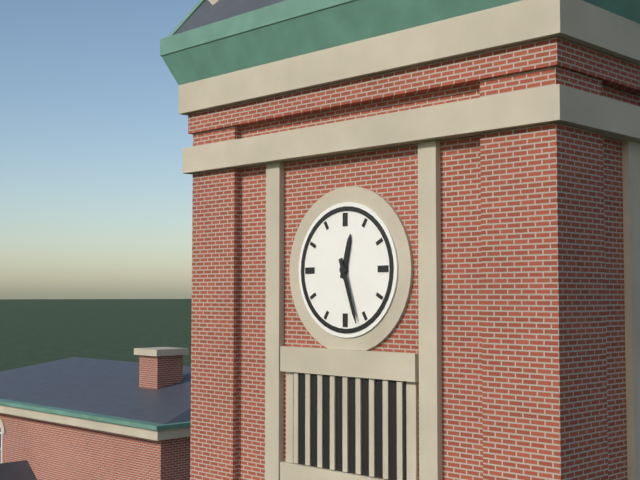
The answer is 12,27
